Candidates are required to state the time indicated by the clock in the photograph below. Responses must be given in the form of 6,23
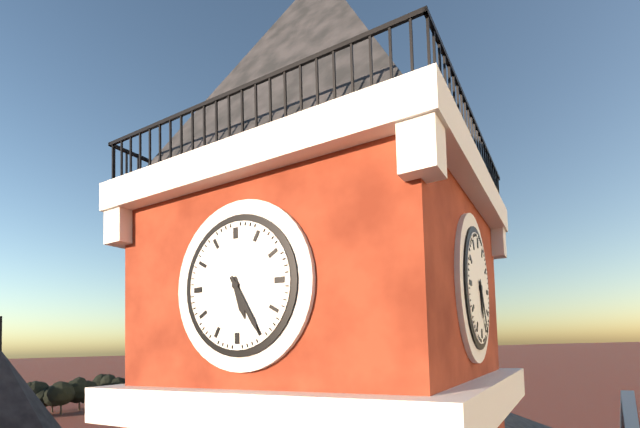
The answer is 5,25
